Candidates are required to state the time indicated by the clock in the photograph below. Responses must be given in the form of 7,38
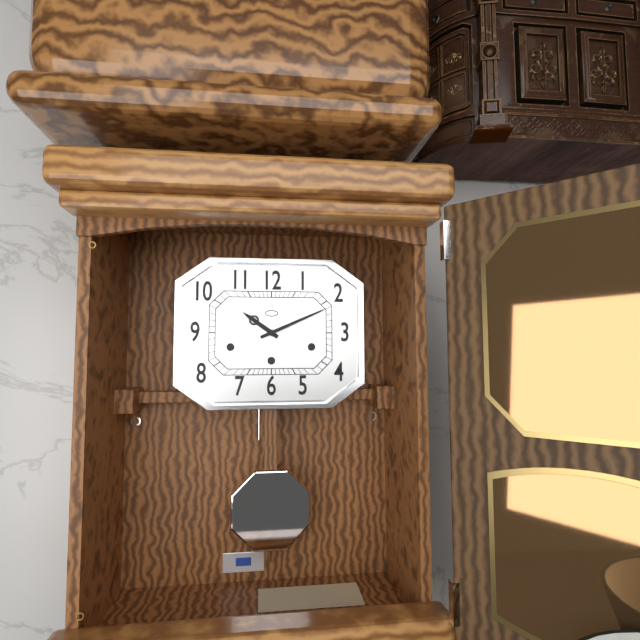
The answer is 10,11
